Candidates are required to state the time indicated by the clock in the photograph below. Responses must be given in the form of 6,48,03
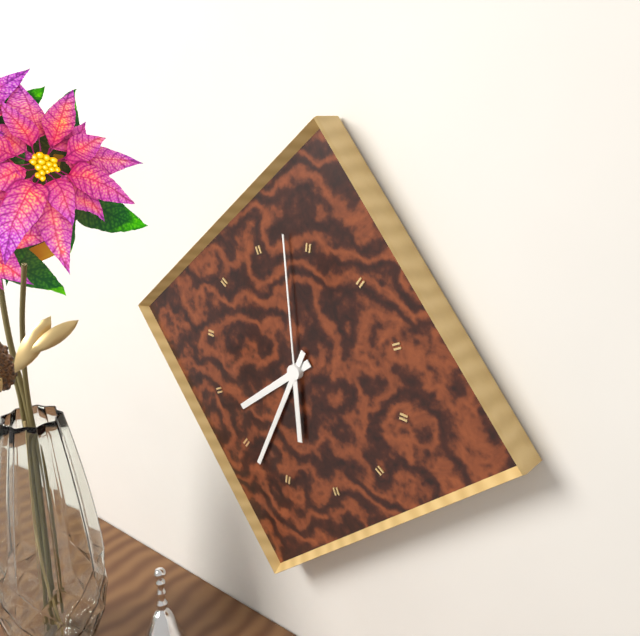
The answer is 7,33,58
